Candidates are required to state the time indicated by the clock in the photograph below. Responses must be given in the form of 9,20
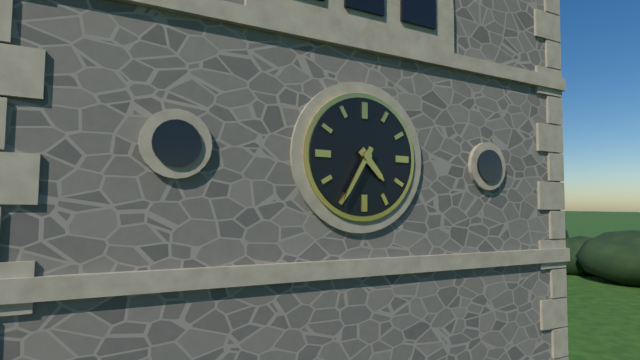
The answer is 4,35
